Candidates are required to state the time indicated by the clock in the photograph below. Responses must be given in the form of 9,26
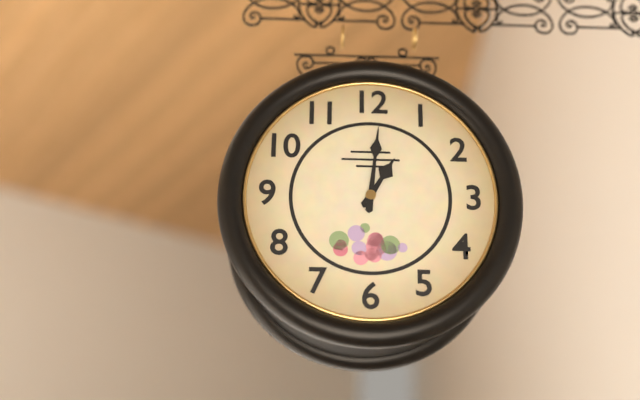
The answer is 1,01
